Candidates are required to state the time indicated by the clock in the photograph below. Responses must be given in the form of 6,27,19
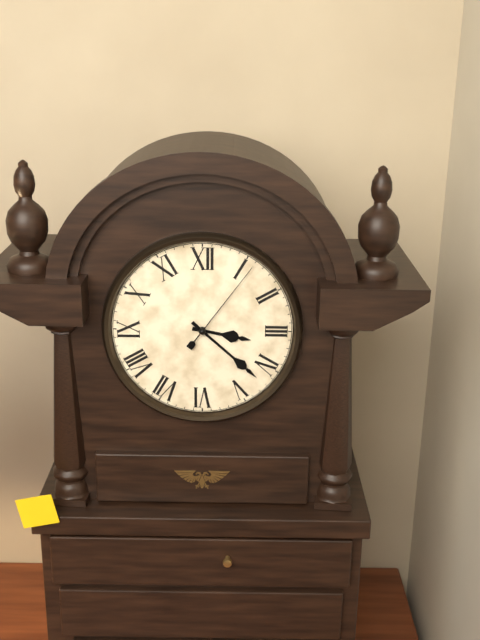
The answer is 3,22,06
